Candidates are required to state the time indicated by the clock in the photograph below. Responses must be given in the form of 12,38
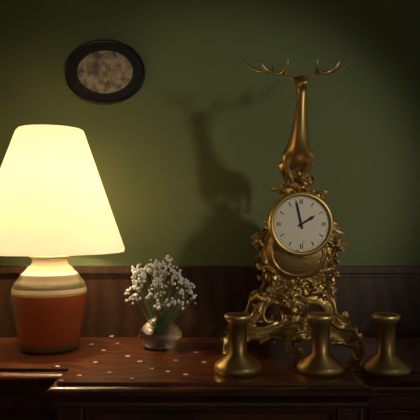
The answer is 1,58
